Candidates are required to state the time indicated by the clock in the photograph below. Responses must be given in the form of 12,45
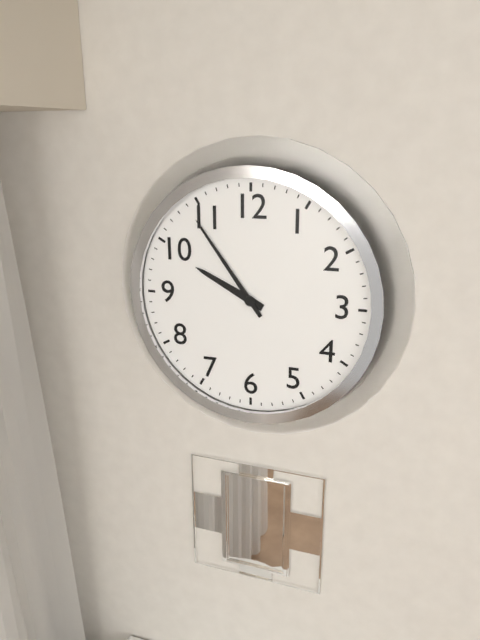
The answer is 9,54
